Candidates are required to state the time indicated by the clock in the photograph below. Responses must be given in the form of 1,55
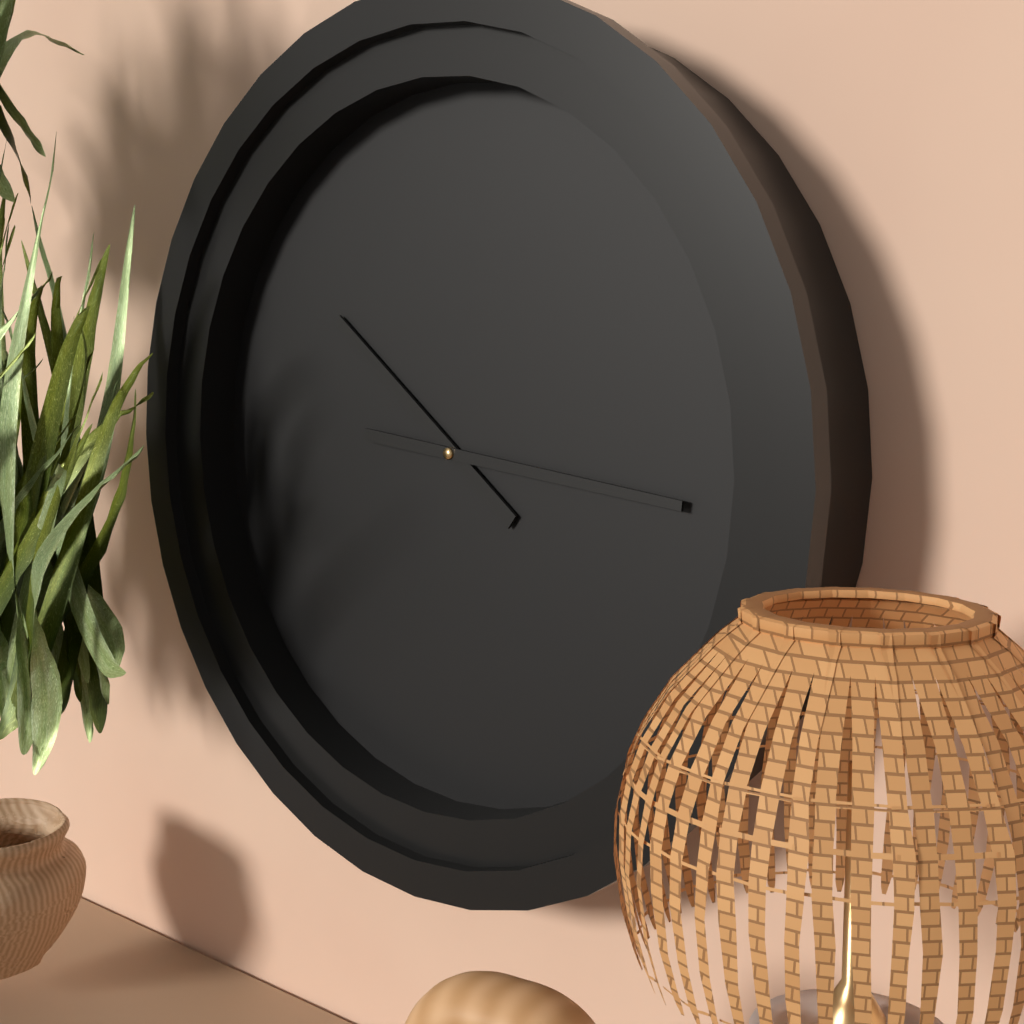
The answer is 10,16
